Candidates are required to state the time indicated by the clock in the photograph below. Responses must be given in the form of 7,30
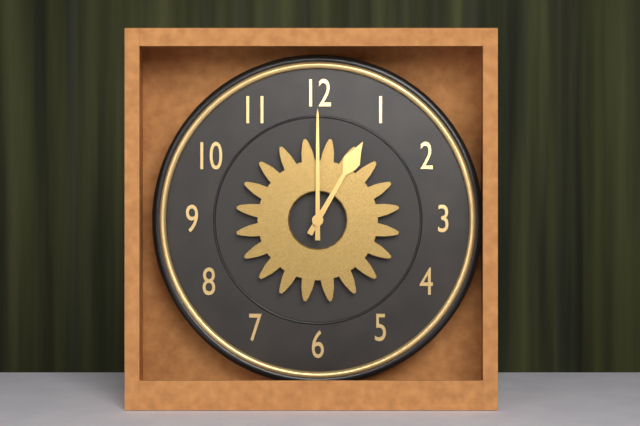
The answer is 1,00
